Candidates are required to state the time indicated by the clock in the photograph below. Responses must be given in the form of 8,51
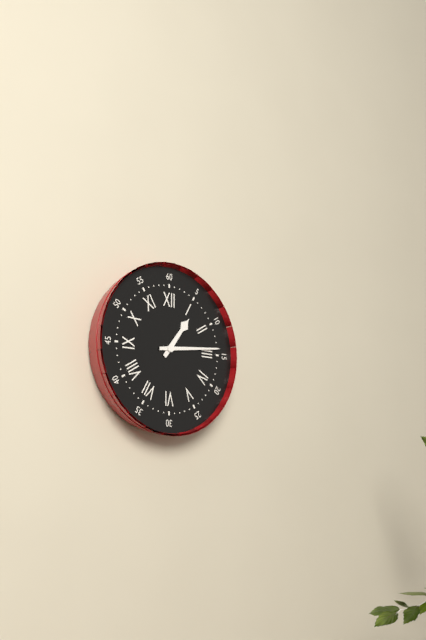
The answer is 1,14
